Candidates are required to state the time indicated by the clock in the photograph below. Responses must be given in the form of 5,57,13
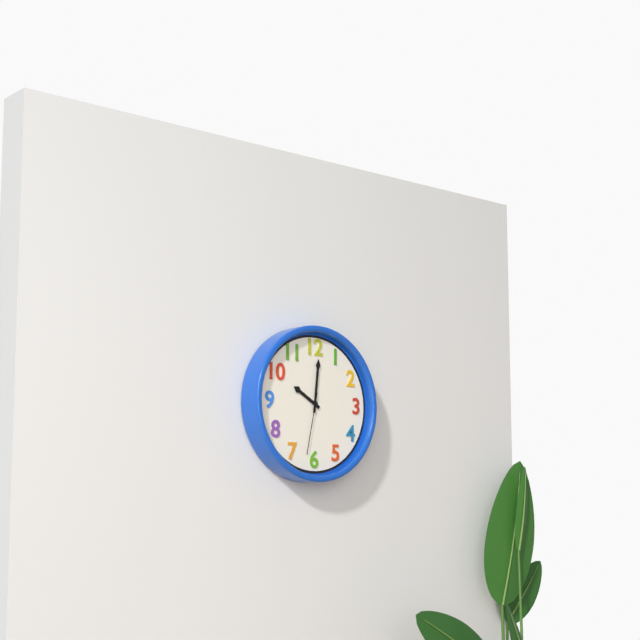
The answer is 10,01,32
